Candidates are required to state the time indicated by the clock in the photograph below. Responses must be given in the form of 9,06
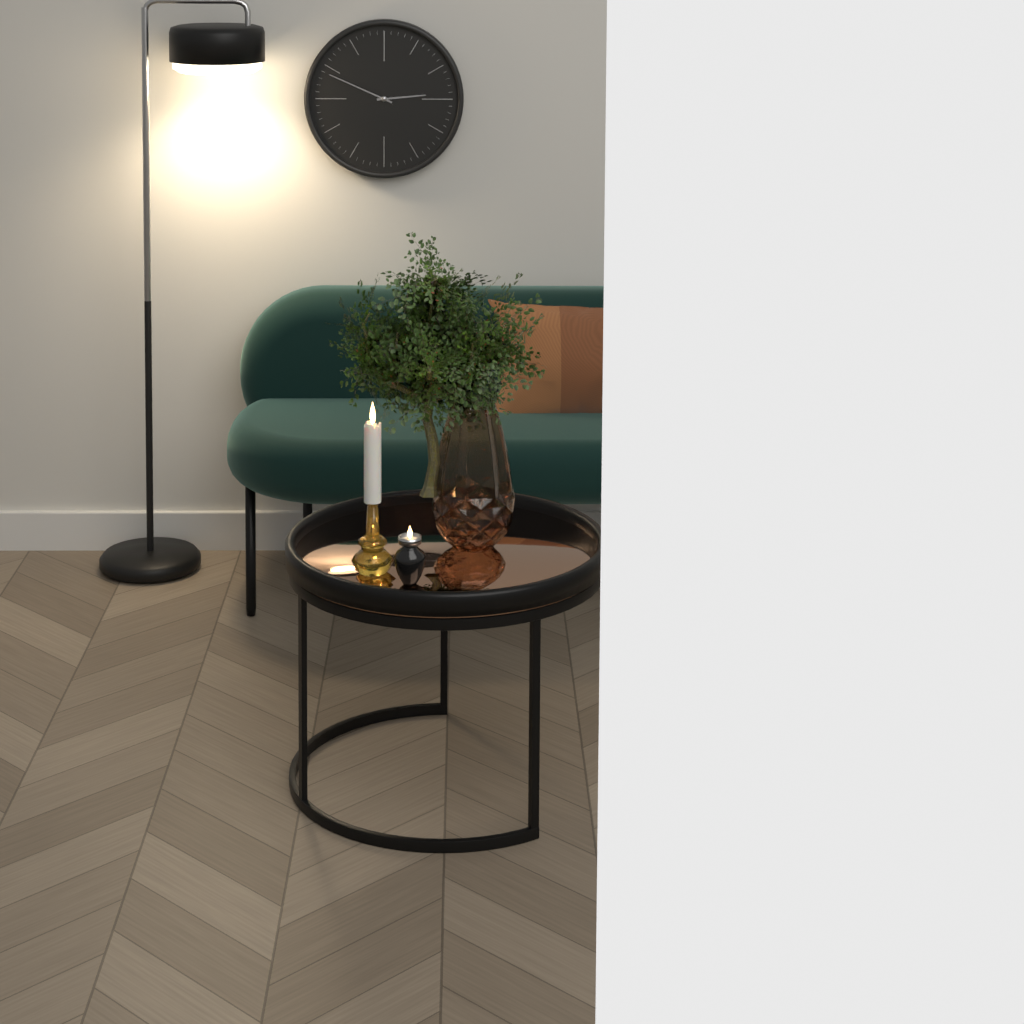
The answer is 2,49
